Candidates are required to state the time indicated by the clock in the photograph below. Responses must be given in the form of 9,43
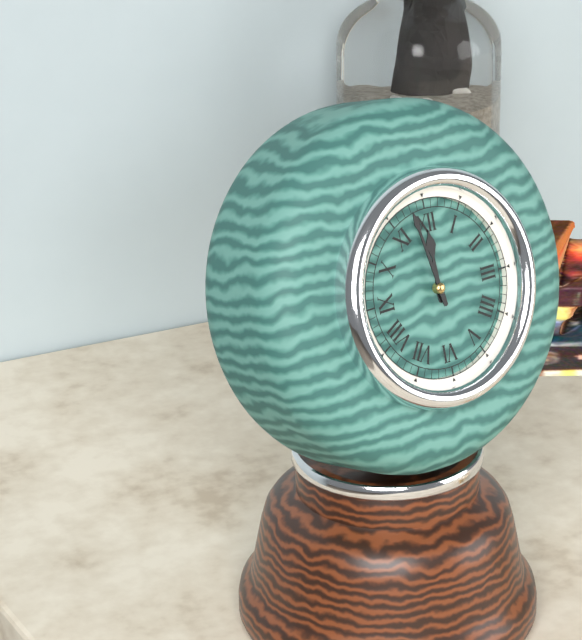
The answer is 11,58
